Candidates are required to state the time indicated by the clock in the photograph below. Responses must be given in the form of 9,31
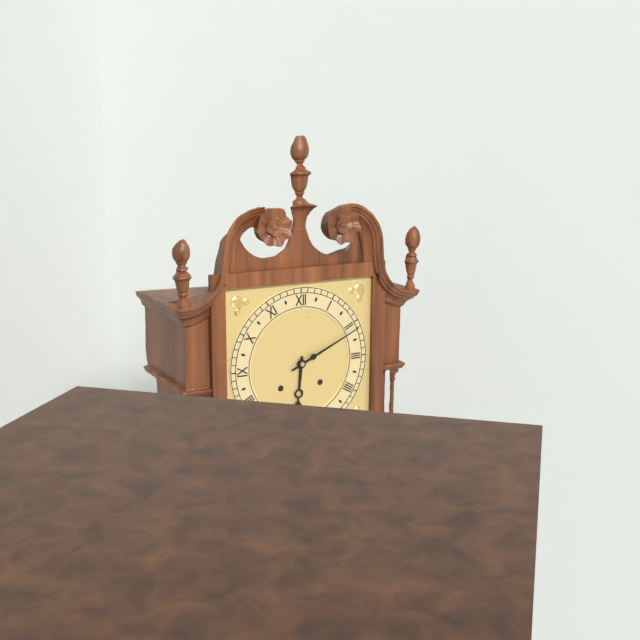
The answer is 6,11
